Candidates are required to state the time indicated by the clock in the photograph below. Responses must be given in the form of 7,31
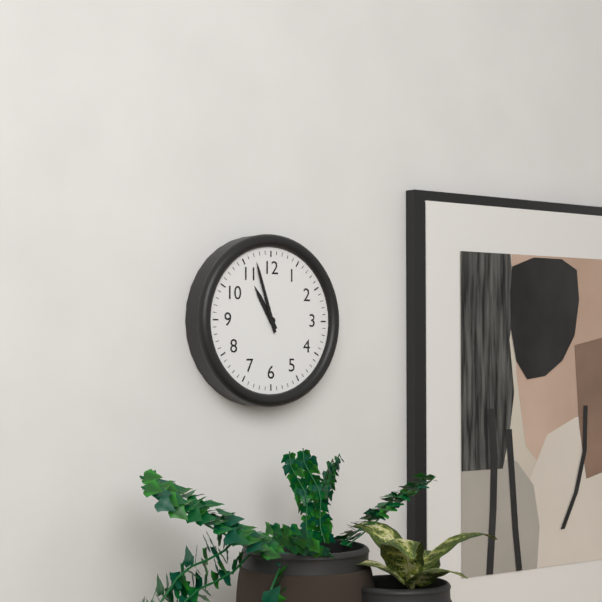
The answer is 10,57
